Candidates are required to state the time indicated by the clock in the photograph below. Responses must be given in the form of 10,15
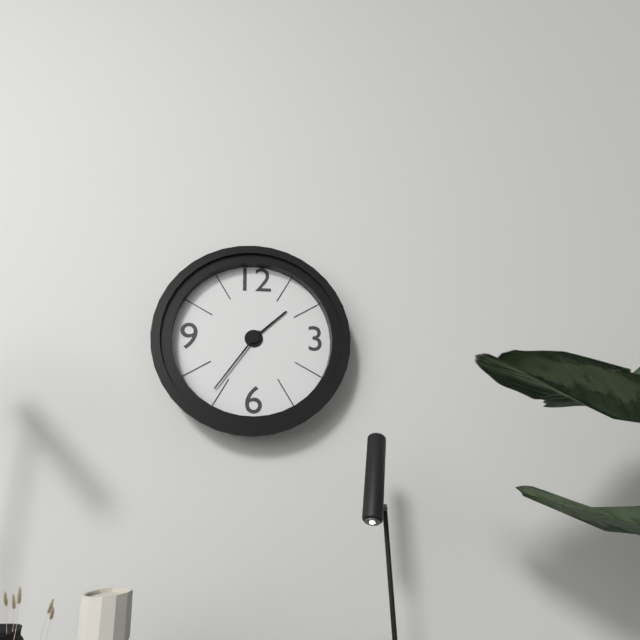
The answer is 1,36
